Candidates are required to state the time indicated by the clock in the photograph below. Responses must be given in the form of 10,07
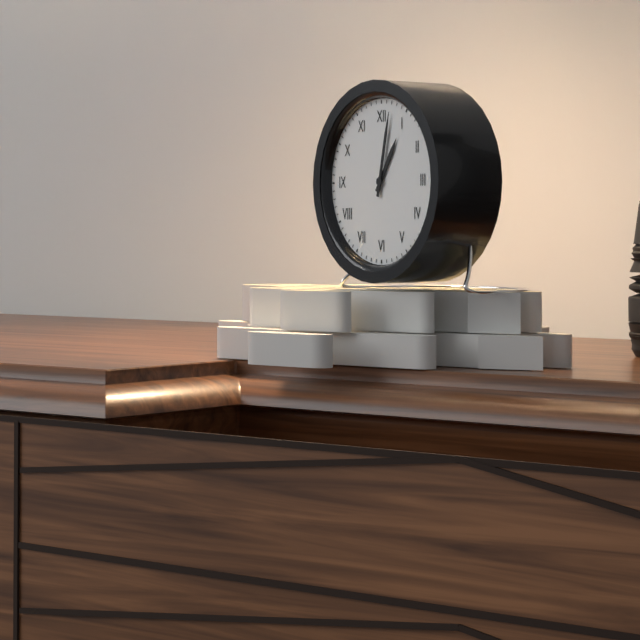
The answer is 1,02
